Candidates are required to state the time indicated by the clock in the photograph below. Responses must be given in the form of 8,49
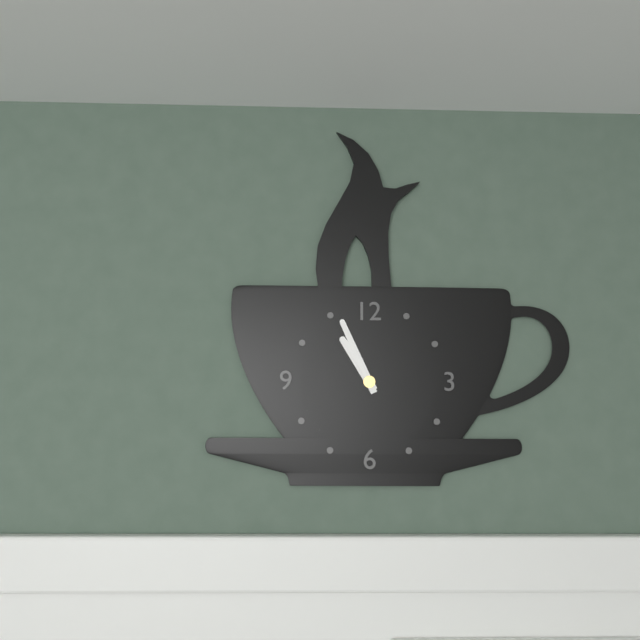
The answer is 10,56
